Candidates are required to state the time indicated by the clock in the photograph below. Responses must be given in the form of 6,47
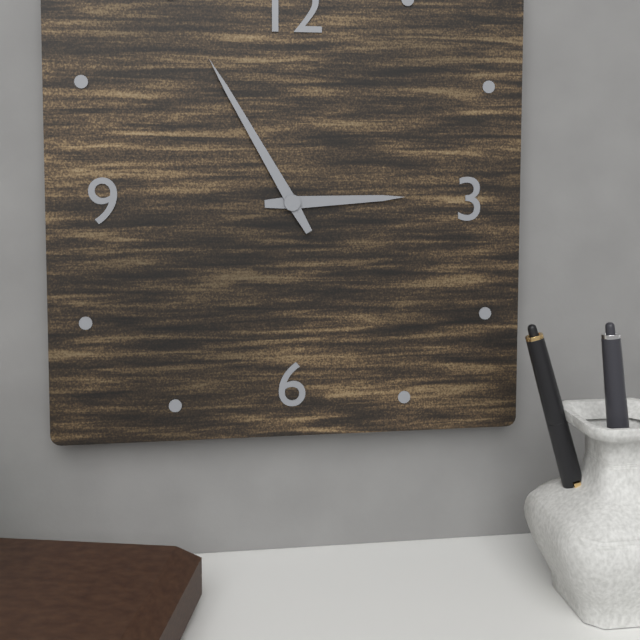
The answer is 2,55
